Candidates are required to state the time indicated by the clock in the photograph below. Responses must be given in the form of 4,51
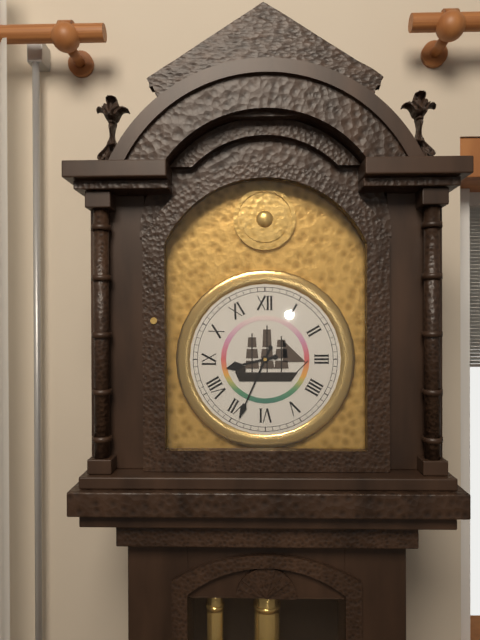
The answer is 8,34
